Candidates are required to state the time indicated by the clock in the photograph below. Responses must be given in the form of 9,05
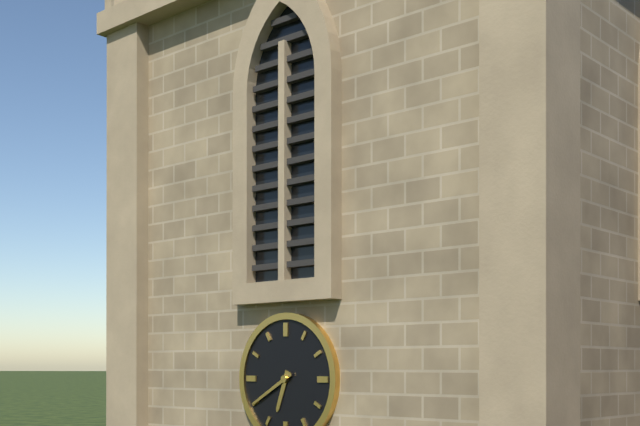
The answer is 6,40
